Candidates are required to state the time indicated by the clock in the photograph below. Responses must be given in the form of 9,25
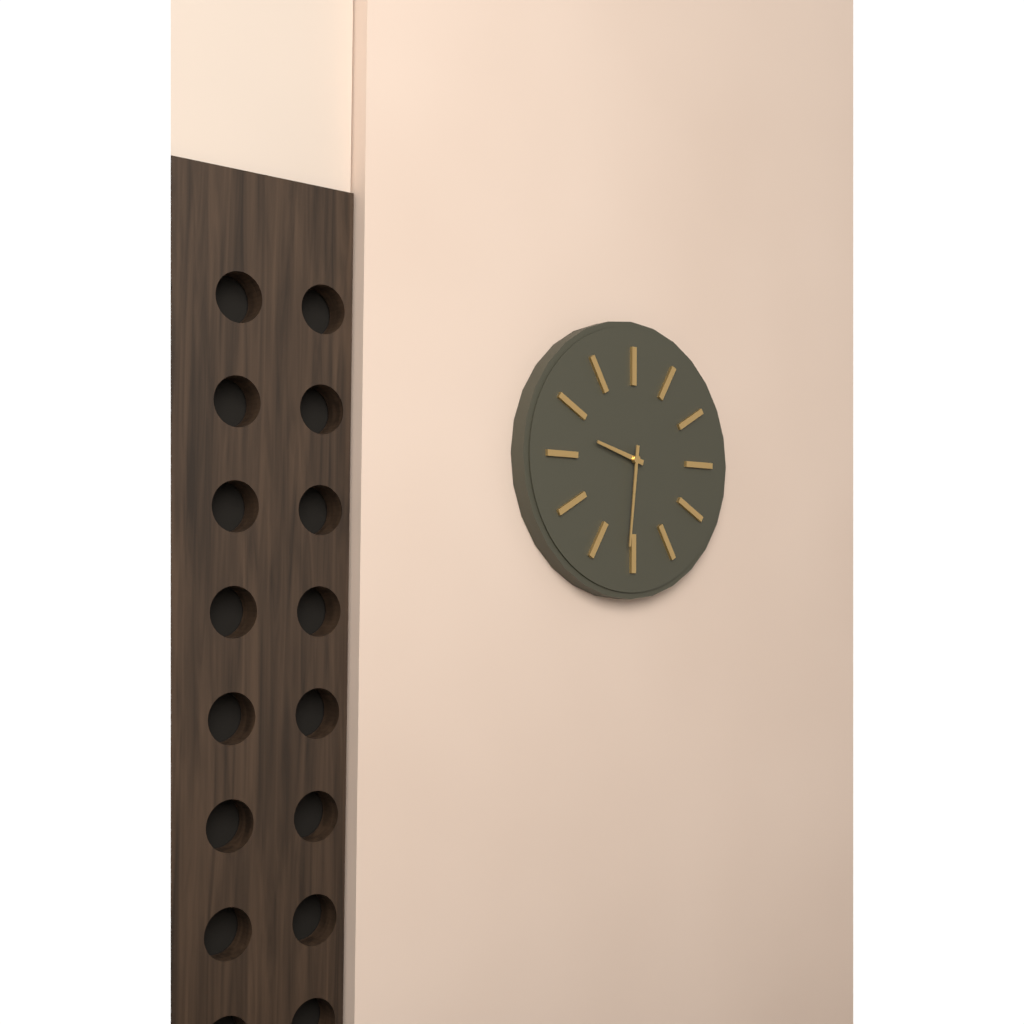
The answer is 9,31
